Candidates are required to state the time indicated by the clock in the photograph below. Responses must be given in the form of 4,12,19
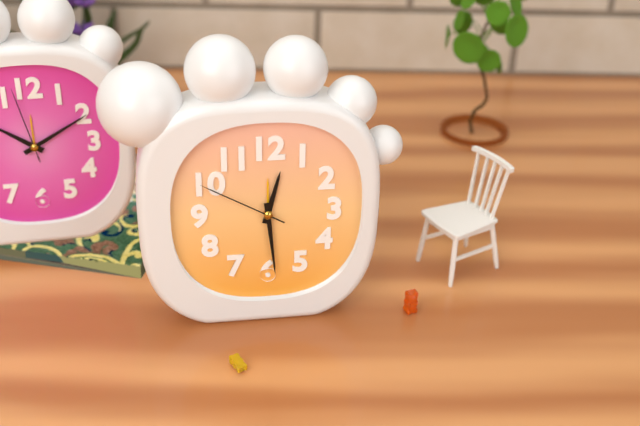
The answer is 12,29,50
